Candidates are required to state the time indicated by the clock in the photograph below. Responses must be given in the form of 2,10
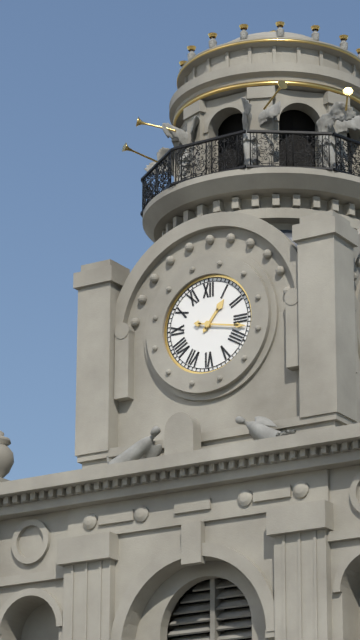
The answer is 1,17
